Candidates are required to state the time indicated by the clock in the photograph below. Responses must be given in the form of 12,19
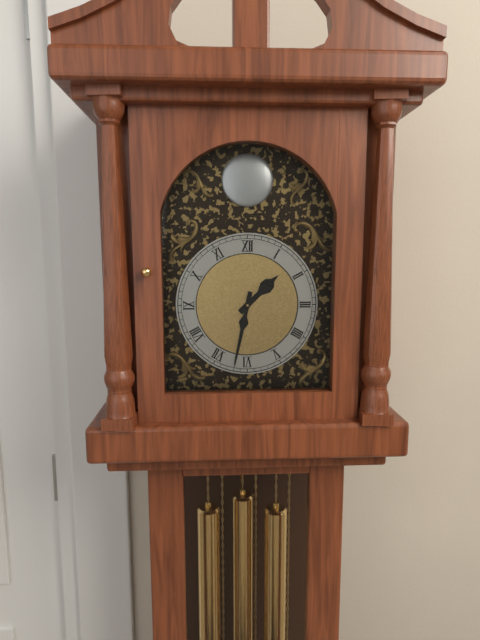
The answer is 1,32
